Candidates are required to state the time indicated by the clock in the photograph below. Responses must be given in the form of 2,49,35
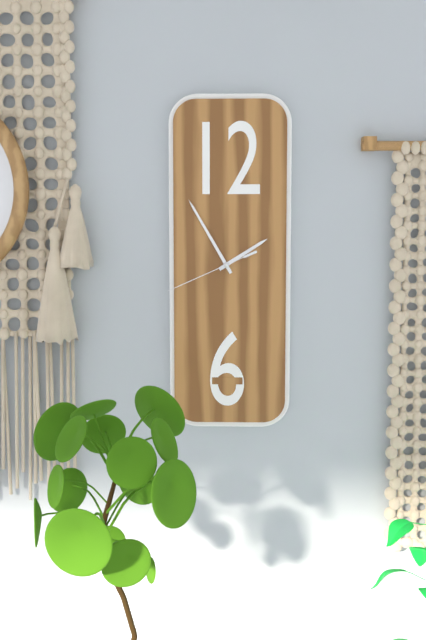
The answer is 1,55,41
